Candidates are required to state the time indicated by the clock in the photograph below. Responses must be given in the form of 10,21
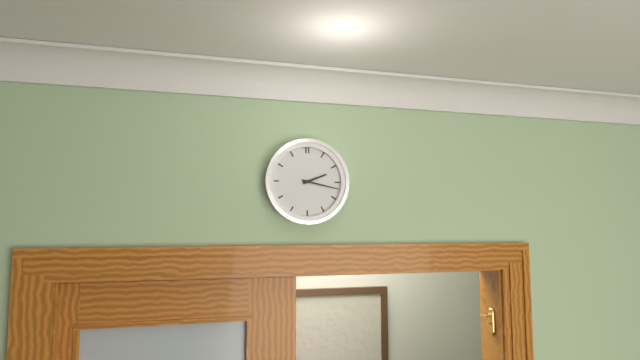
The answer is 2,17
